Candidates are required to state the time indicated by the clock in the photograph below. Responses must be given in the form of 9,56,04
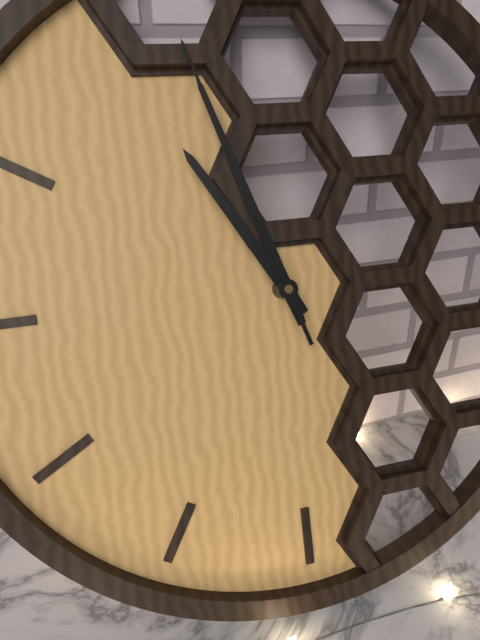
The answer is 10,57,57
